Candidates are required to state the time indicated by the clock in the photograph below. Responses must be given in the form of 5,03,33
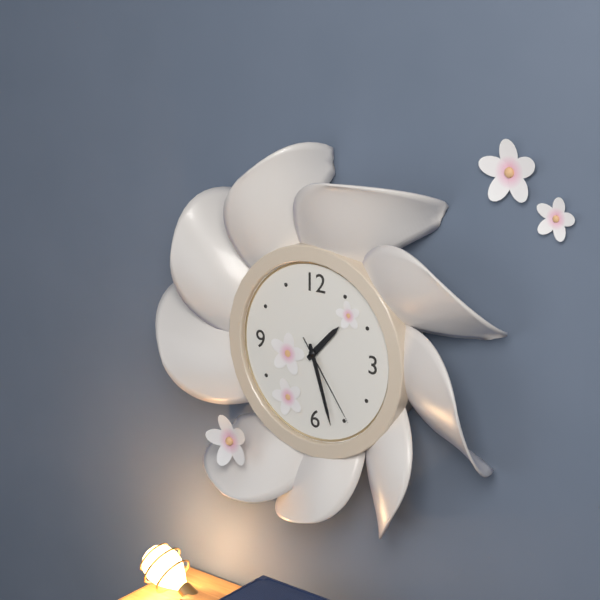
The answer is 1,27,24
